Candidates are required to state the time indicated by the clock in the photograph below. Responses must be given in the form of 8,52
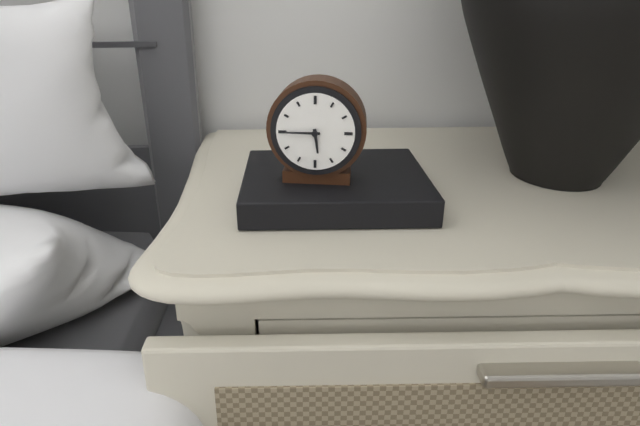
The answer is 5,45
